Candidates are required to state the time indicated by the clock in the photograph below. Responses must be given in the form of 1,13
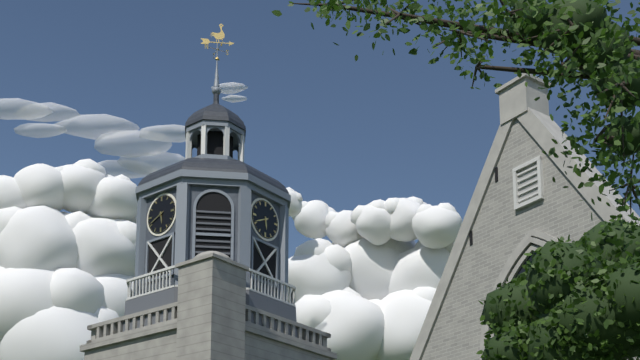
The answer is 5,41
